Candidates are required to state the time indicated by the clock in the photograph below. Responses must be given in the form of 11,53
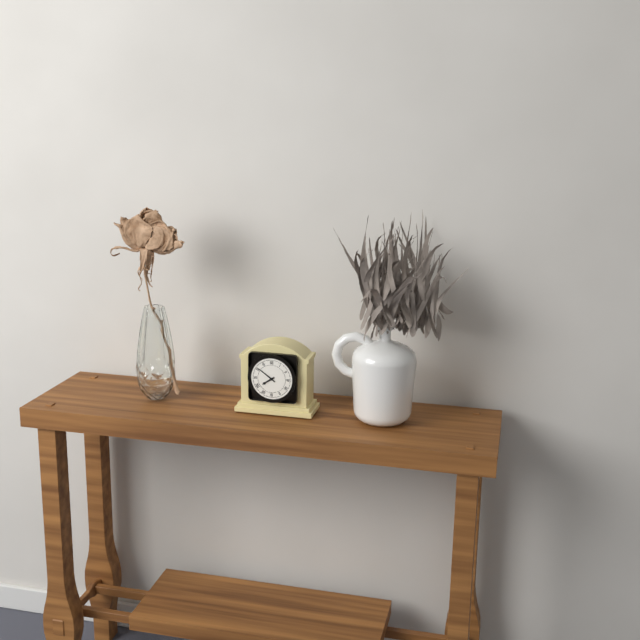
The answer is 7,51
